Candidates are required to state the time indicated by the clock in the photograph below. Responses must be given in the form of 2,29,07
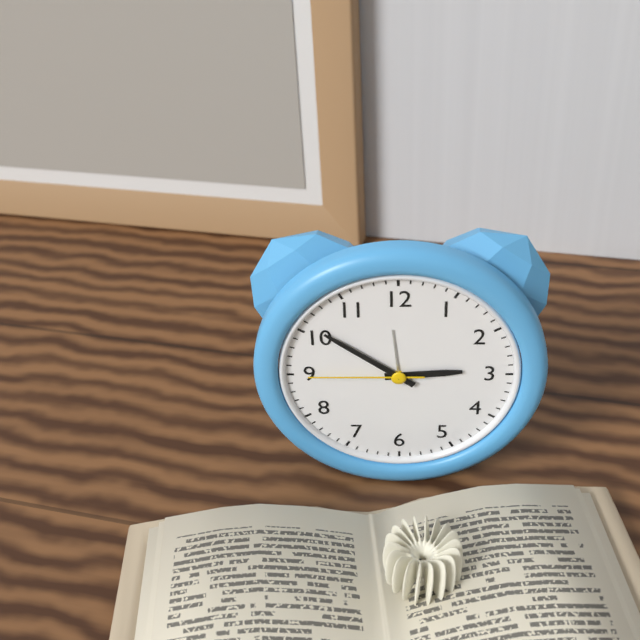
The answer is 2,51,45
